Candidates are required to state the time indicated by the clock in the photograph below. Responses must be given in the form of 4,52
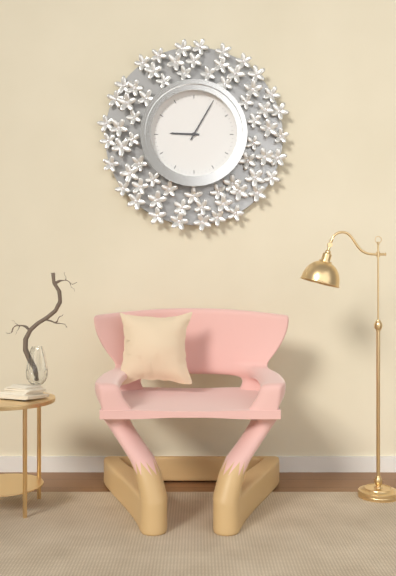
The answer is 9,05
